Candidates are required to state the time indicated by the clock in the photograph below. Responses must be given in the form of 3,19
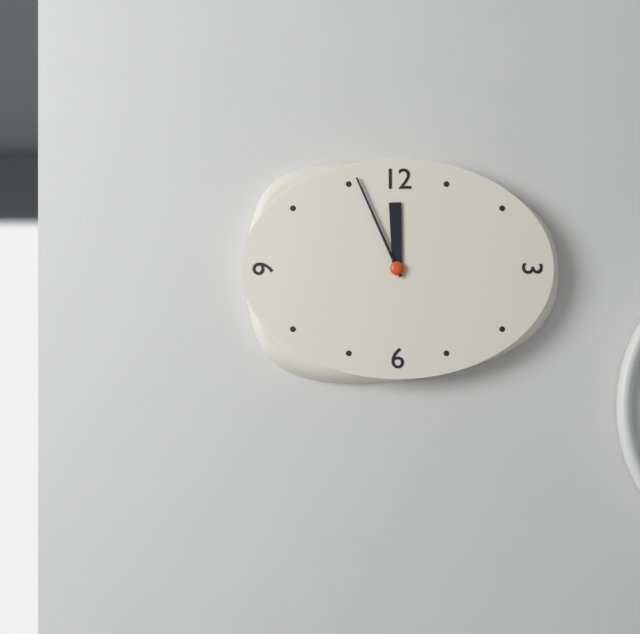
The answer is 11,56
